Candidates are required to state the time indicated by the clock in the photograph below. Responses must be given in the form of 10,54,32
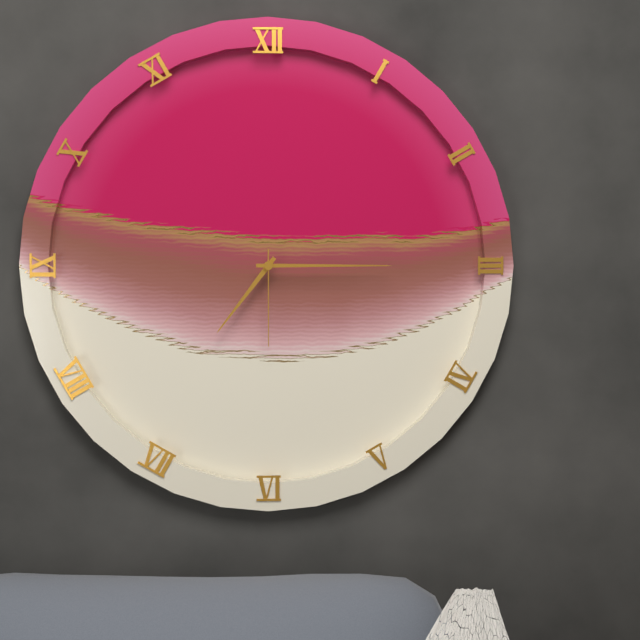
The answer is 7,15,30
